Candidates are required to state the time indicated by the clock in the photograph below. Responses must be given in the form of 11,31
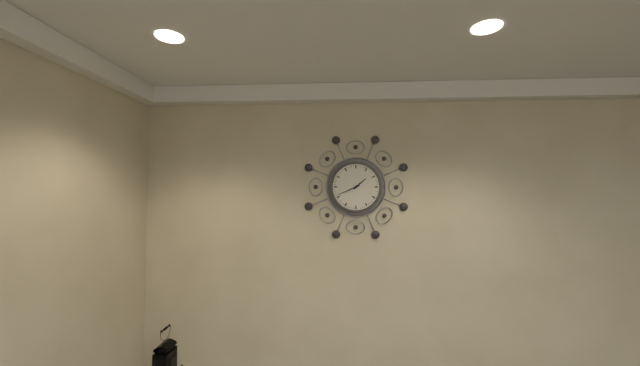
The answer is 1,41
